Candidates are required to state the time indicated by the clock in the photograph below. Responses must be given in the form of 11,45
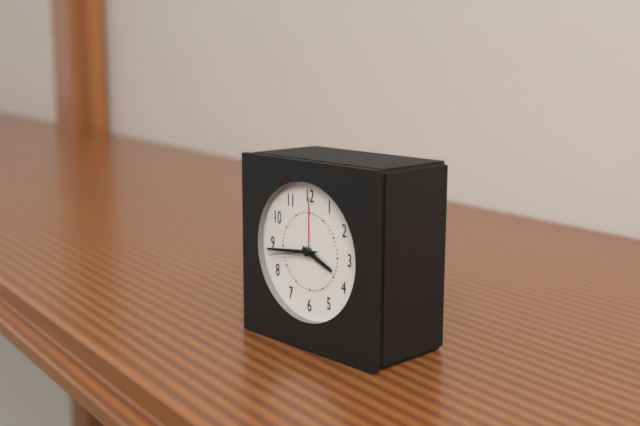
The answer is 3,44
